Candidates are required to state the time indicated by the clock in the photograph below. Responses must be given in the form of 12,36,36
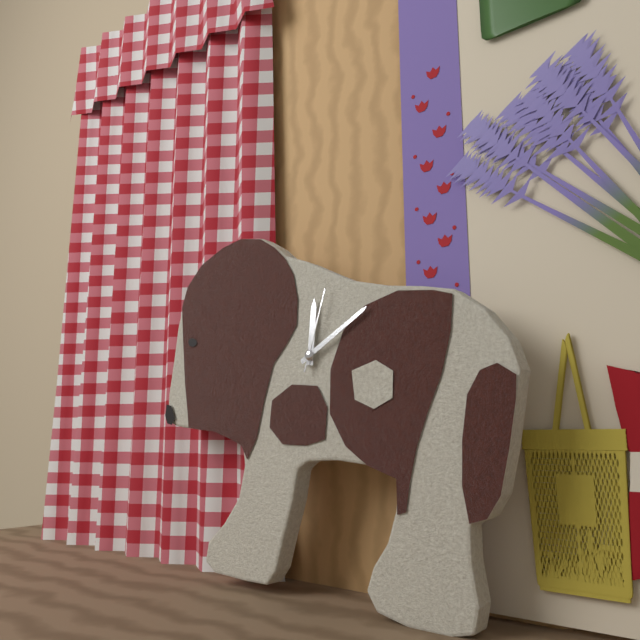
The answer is 12,10,03
